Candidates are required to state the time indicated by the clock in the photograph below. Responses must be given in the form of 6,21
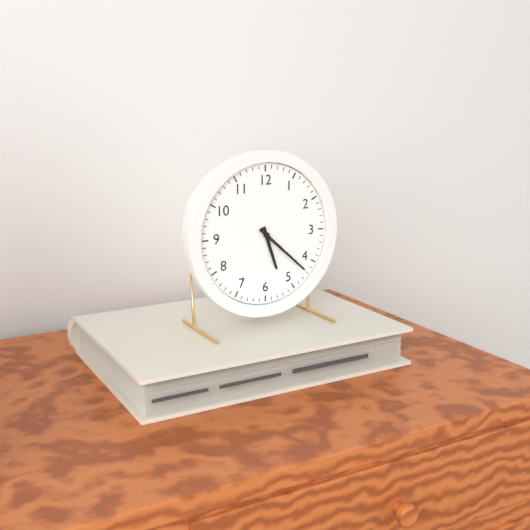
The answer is 5,22
